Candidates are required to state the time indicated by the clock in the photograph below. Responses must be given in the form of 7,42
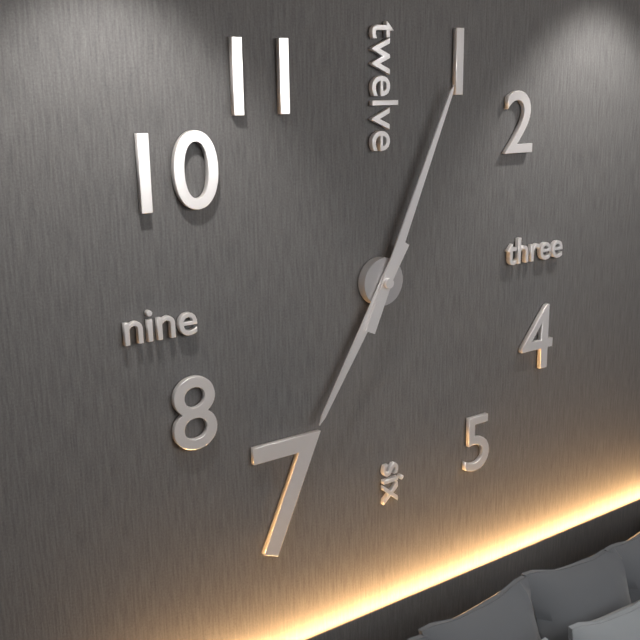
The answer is 7,04
